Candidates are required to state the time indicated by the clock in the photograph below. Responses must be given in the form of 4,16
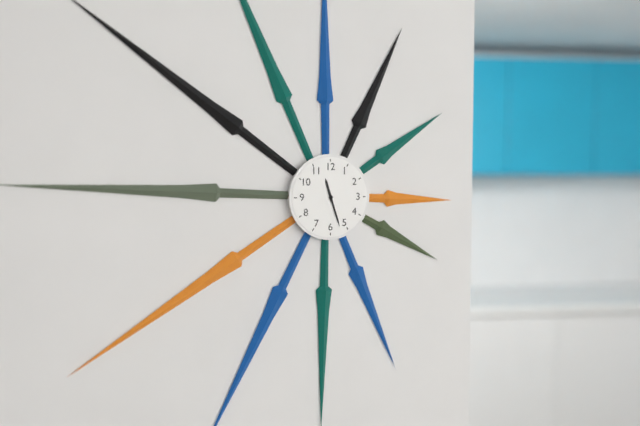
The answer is 11,27
